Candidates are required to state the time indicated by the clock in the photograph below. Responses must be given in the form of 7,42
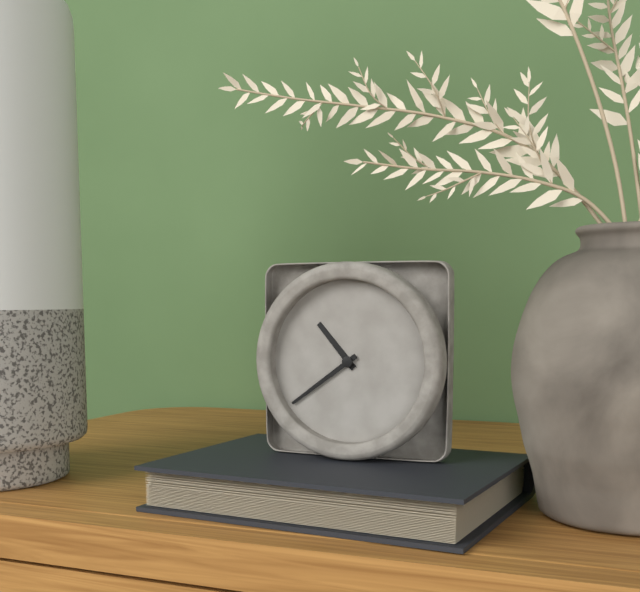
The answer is 10,39
